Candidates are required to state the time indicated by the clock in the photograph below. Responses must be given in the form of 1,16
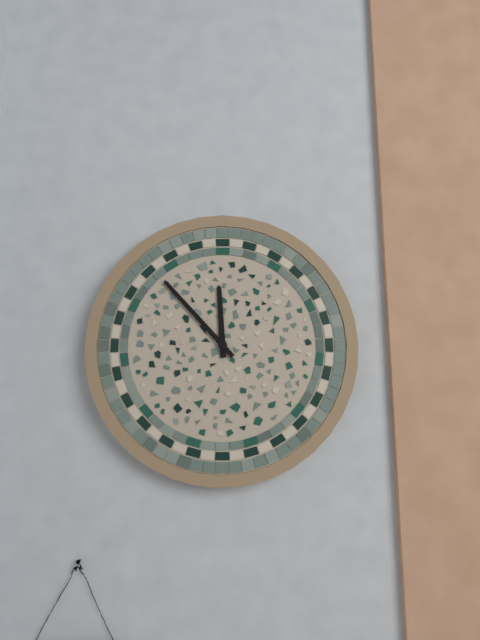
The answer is 11,53
